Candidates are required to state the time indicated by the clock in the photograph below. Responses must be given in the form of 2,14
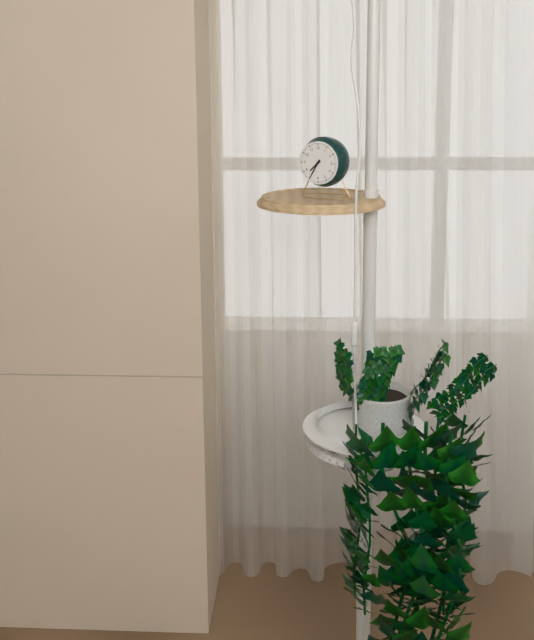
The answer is 7,35
